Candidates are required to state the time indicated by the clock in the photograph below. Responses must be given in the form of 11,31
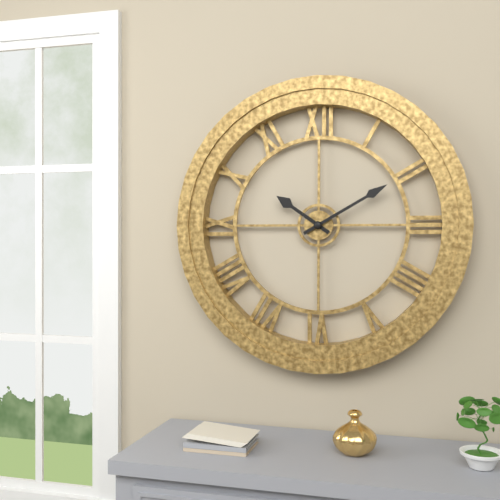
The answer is 10,10
